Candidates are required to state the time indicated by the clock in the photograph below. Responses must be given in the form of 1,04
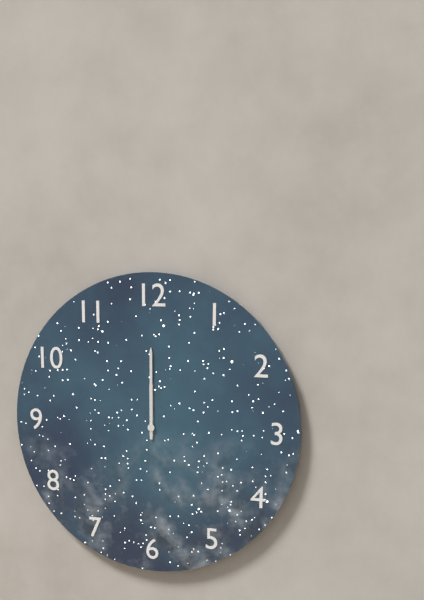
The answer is 12,00
